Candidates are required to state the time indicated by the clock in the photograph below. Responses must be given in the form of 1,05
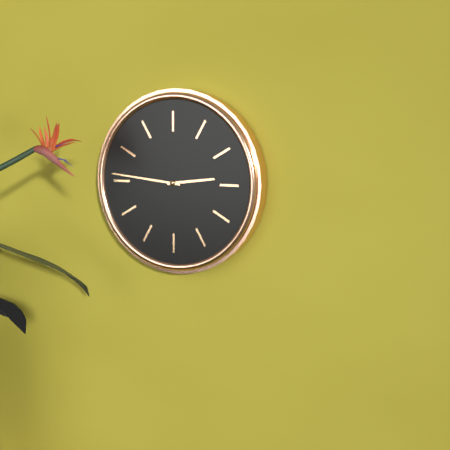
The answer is 2,46
